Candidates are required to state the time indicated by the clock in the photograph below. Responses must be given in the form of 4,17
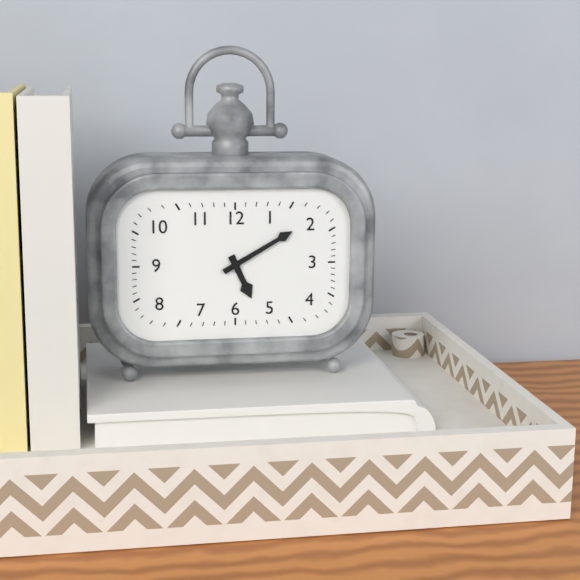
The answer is 5,10
